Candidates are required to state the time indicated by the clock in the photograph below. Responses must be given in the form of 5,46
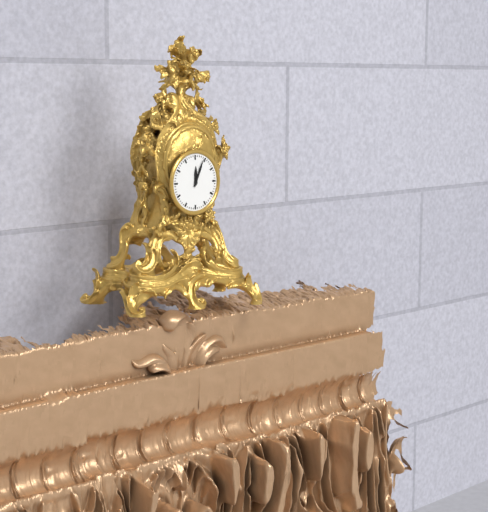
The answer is 12,04
